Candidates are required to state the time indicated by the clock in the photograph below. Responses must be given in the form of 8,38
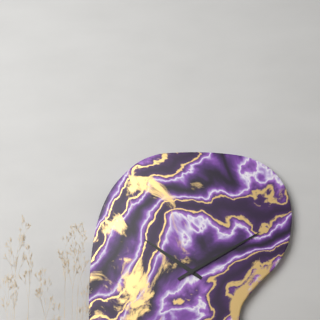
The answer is 10,10
